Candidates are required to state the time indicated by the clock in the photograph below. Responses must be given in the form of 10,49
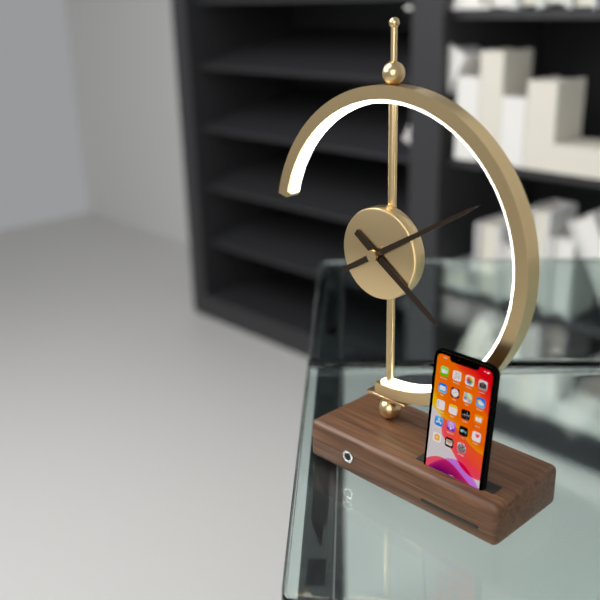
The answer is 4,10
